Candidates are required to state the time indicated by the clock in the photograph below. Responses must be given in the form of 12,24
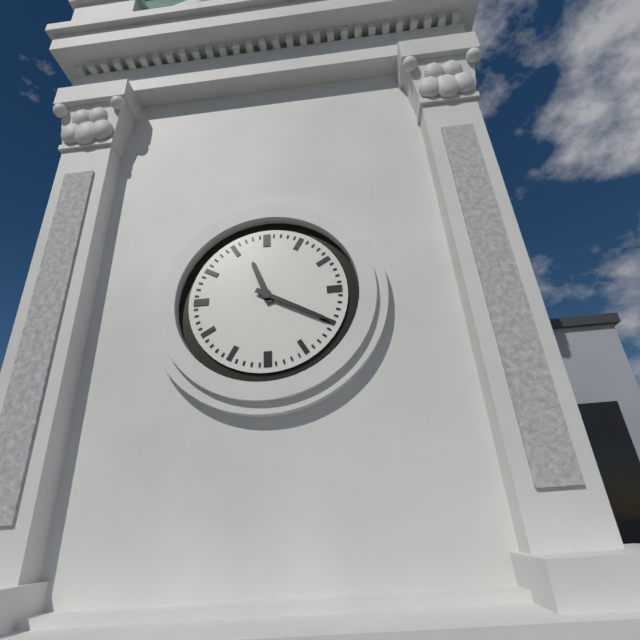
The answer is 11,20
